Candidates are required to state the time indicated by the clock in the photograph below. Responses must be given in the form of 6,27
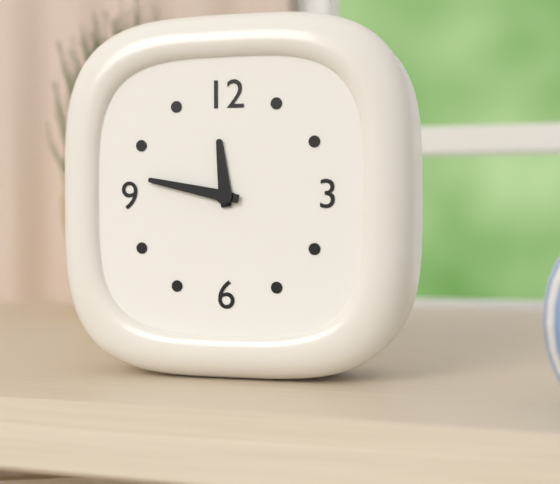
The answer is 11,47
